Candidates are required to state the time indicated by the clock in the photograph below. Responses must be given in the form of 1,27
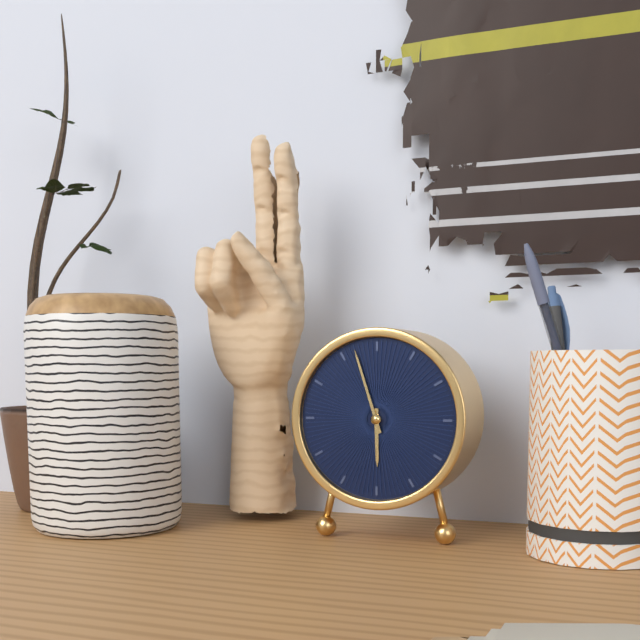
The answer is 5,57
